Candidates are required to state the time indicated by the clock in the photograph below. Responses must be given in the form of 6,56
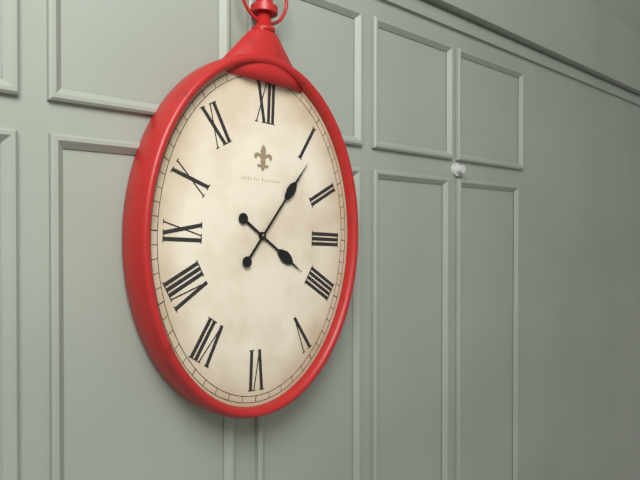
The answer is 4,06
